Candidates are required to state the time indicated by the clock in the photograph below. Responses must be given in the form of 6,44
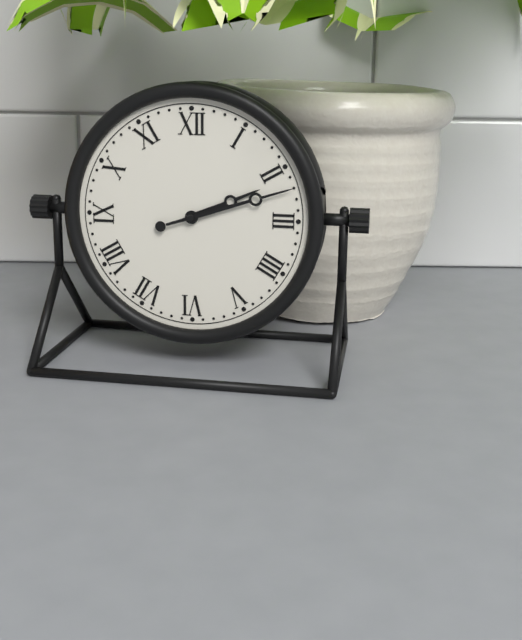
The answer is 2,12
